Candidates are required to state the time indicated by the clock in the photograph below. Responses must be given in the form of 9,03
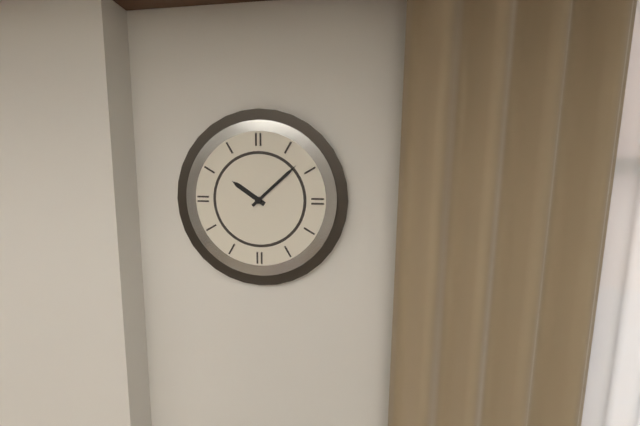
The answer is 10,08
